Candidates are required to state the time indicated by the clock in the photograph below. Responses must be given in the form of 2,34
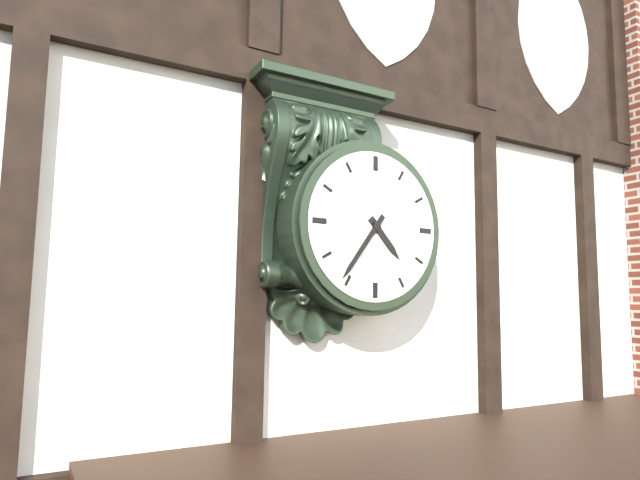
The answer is 4,36
